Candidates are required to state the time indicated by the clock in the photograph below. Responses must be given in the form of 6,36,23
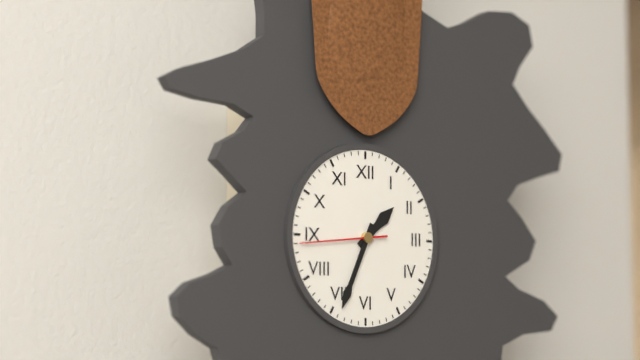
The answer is 1,34,44
